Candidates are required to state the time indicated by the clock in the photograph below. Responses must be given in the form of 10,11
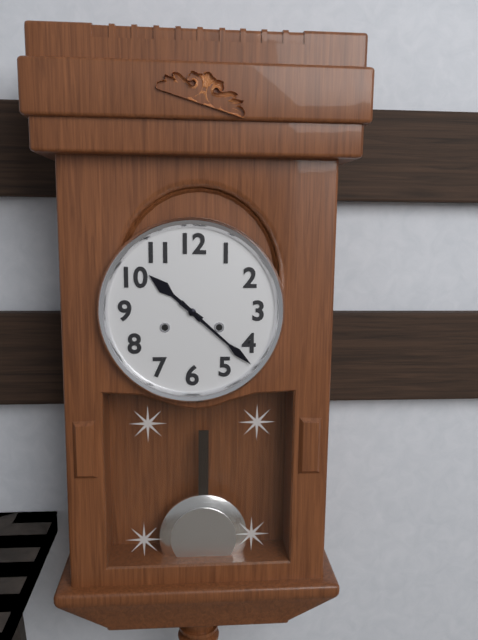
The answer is 10,22
